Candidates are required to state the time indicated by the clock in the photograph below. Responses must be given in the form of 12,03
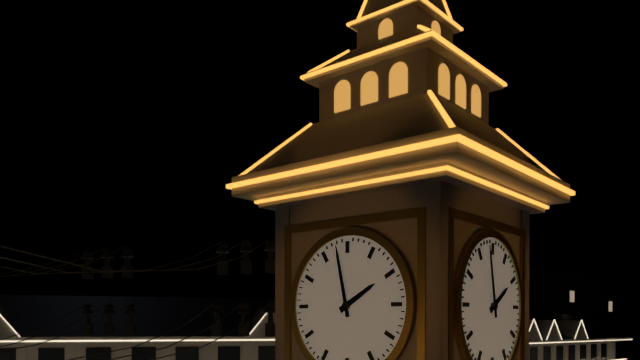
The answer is 1,58
